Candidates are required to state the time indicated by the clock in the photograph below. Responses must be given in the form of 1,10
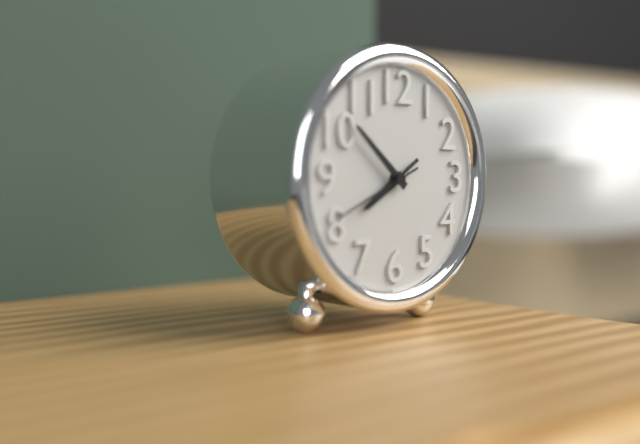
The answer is 7,52
